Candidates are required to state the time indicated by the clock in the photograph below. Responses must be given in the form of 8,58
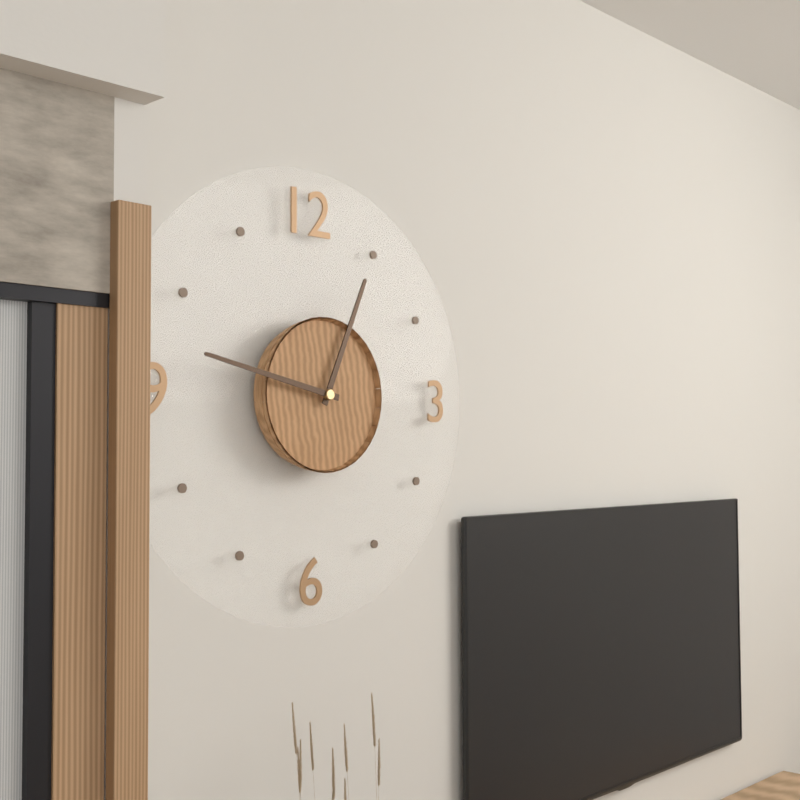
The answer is 12,47
